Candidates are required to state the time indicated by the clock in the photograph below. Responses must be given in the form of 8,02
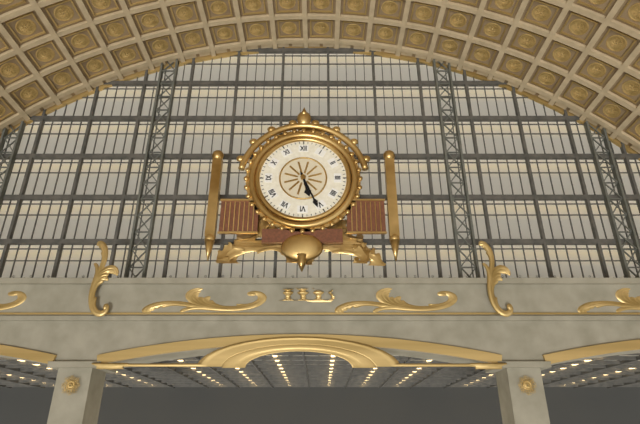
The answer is 5,26
